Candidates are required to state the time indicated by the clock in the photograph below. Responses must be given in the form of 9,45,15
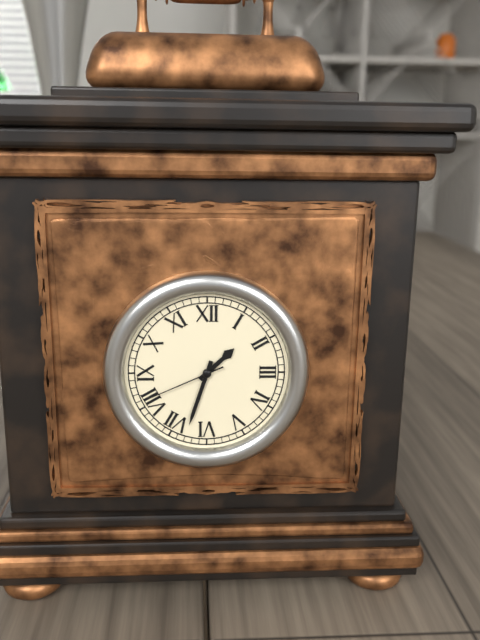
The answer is 1,33,41
